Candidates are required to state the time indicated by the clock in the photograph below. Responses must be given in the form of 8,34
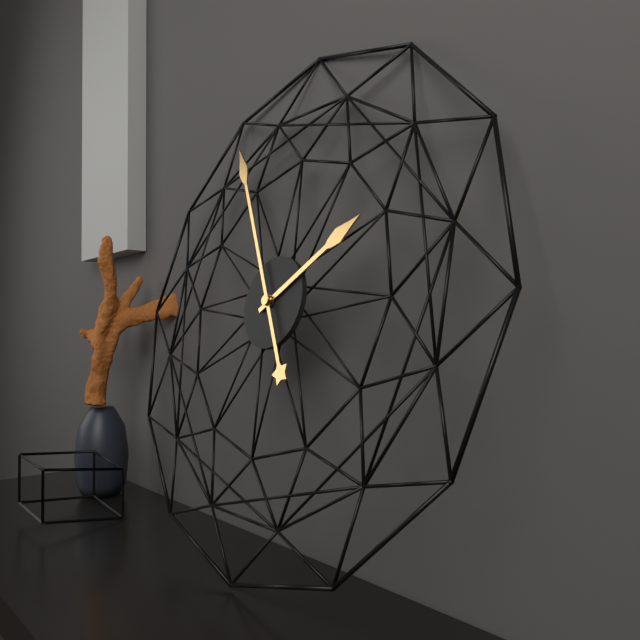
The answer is 1,55
